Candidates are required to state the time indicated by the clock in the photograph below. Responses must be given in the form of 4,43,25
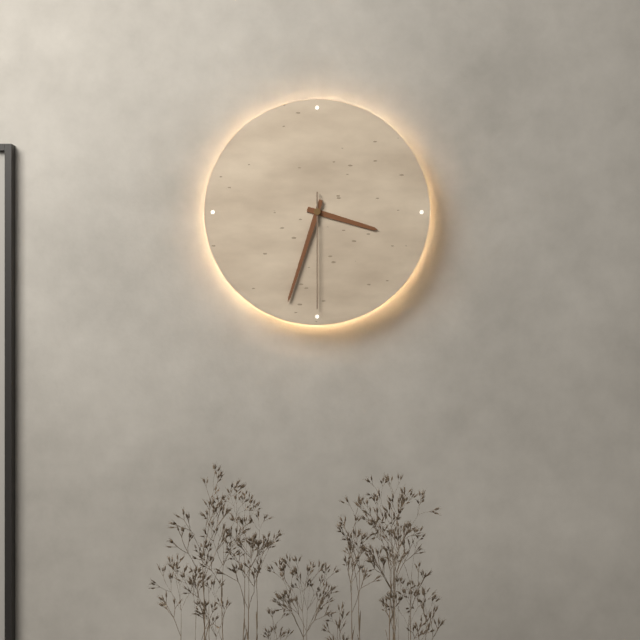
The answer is 3,33,30
